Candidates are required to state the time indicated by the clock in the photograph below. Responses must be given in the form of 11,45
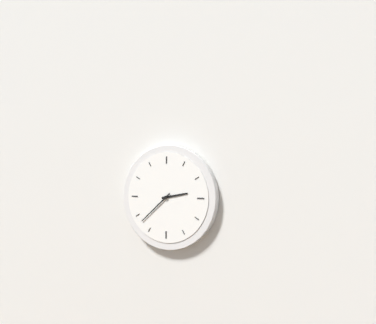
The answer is 2,38
